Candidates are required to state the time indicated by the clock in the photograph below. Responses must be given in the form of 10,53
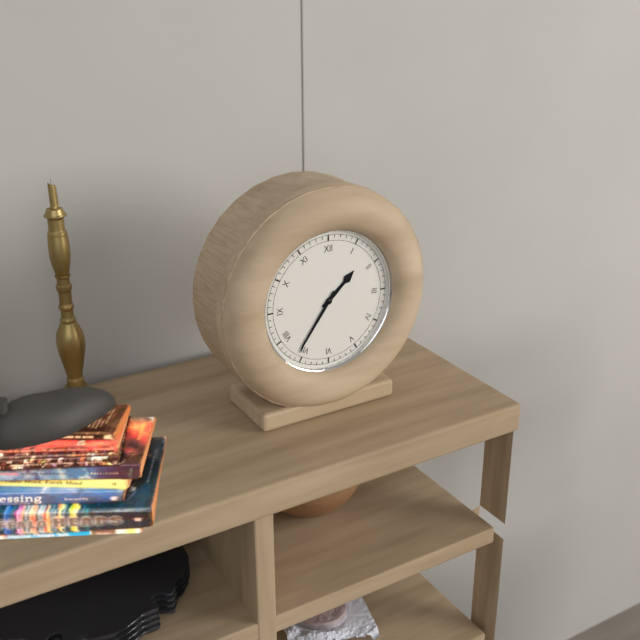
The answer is 1,36
